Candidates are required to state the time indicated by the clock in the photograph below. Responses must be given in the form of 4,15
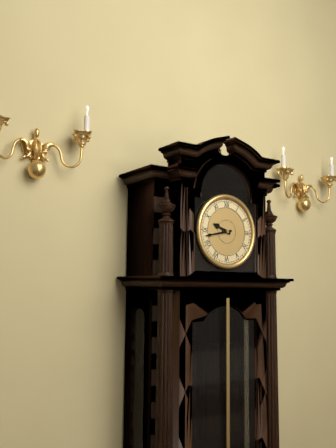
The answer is 9,43
